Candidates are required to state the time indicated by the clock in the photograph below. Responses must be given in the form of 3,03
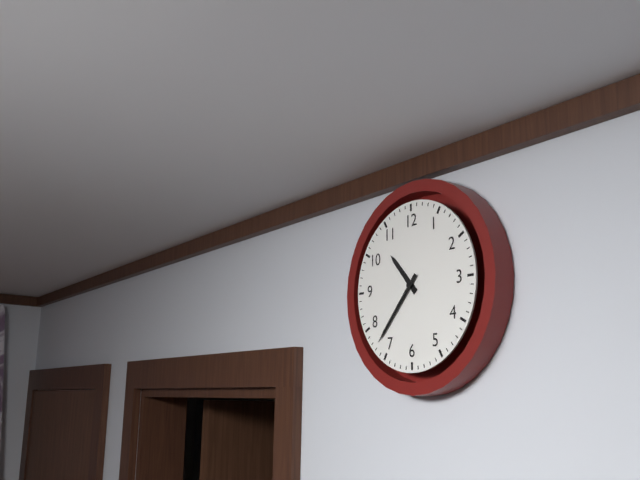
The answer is 10,37
